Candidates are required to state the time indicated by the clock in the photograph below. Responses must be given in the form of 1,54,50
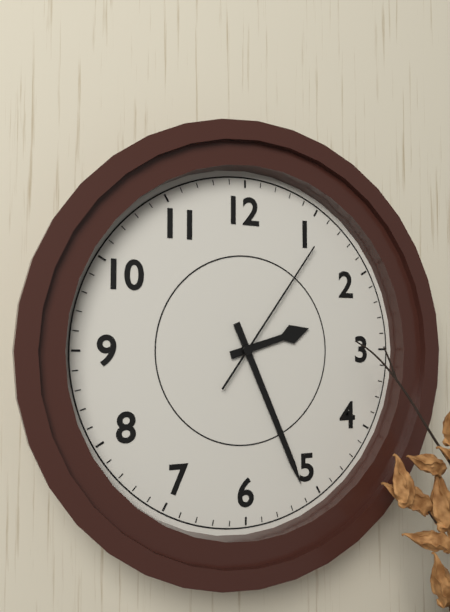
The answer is 2,26,06
